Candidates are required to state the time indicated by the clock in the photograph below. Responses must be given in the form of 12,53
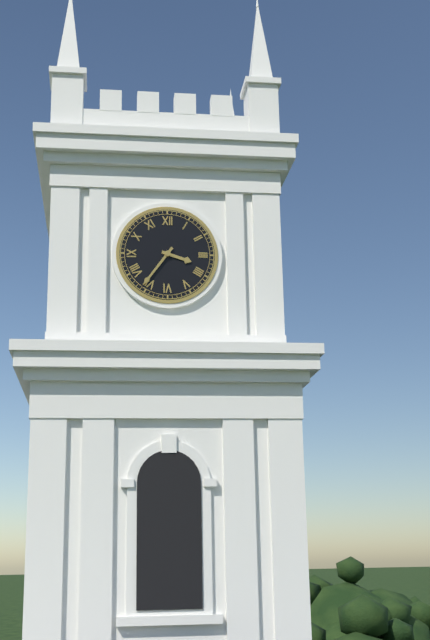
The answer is 3,36
